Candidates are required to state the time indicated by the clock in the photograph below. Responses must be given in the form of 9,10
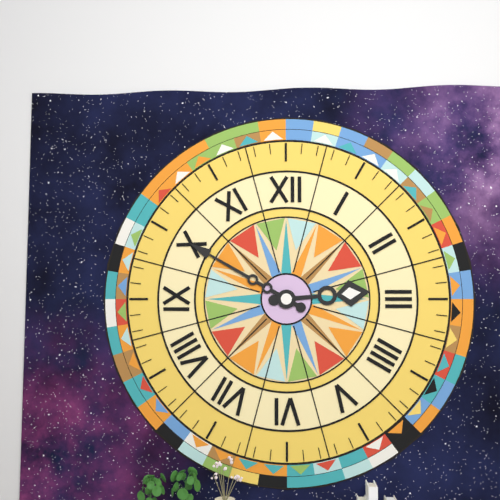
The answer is 2,50
